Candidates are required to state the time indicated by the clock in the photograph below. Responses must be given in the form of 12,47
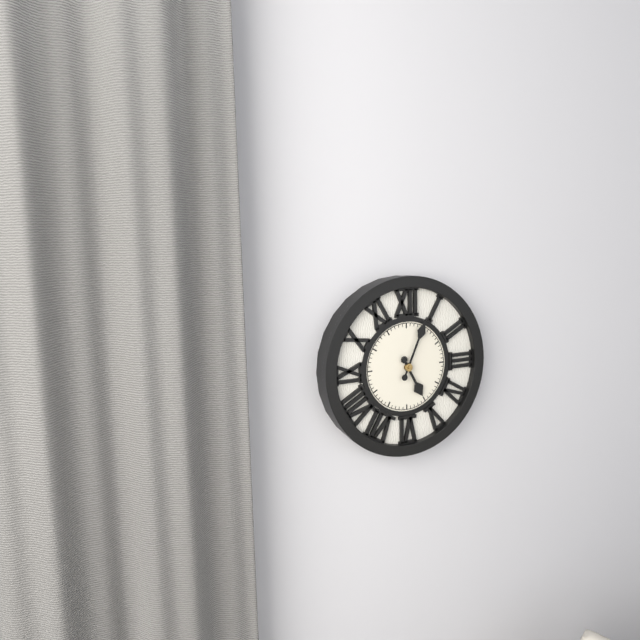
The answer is 5,04
